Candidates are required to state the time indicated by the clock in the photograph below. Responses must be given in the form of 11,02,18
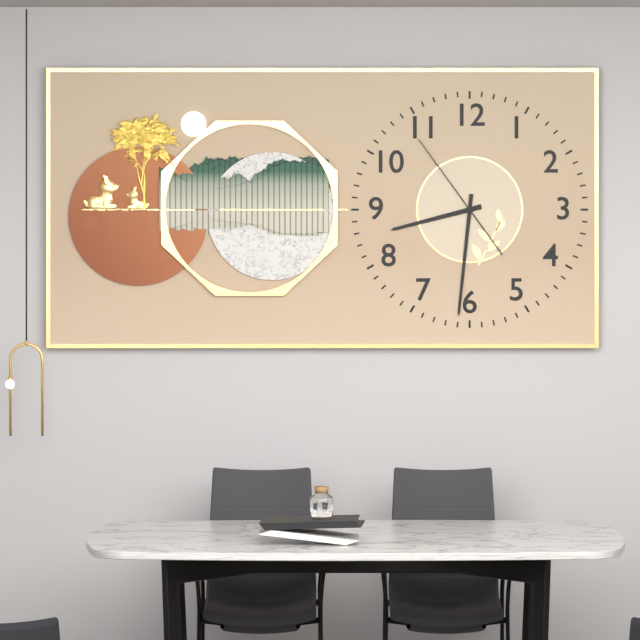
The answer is 8,31,54
